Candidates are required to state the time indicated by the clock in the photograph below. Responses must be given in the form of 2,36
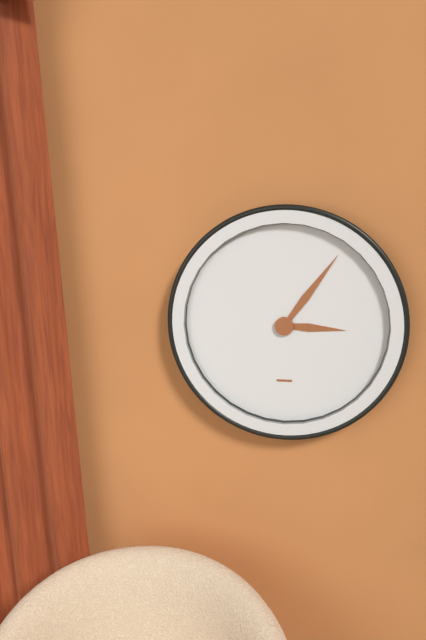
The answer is 3,06
